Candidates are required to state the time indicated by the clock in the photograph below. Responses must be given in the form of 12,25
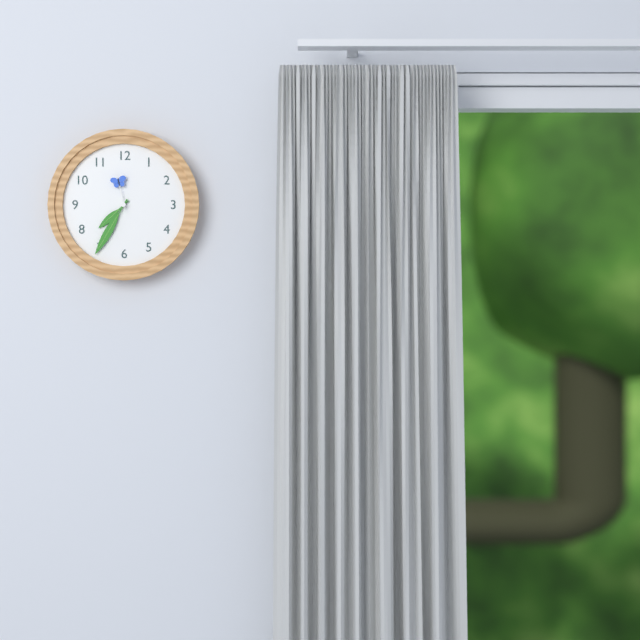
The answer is 7,35
